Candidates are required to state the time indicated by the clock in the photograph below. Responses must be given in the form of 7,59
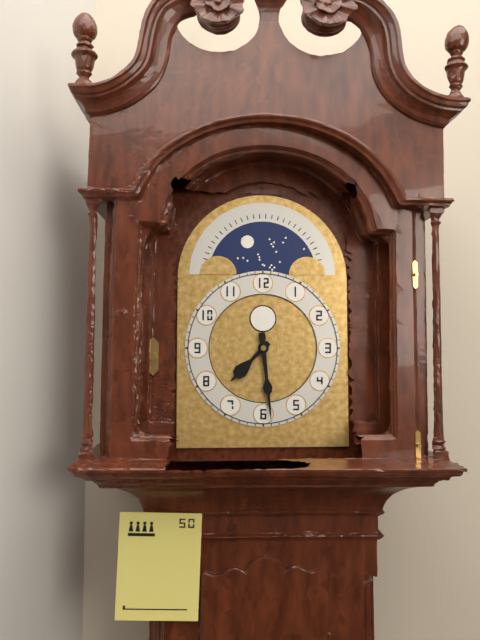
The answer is 7,29
